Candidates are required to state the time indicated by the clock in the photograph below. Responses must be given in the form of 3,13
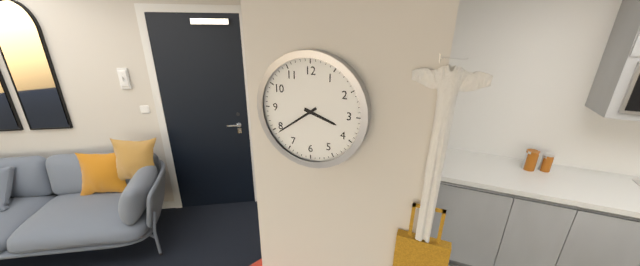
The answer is 3,39
